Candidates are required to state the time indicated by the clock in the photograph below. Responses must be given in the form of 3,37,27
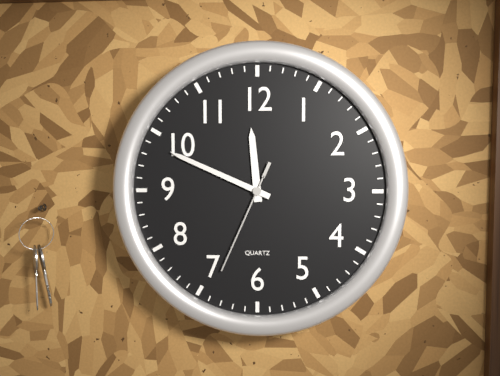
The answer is 11,49,34
